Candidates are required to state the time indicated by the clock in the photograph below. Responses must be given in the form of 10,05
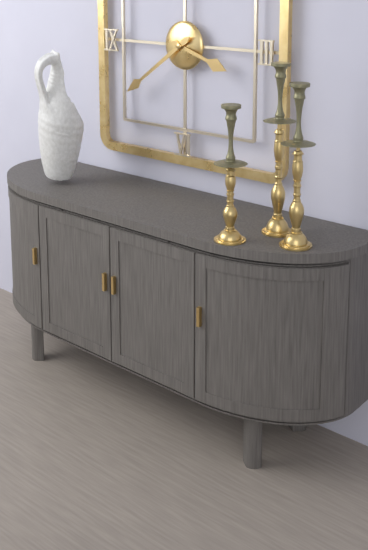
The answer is 3,39
